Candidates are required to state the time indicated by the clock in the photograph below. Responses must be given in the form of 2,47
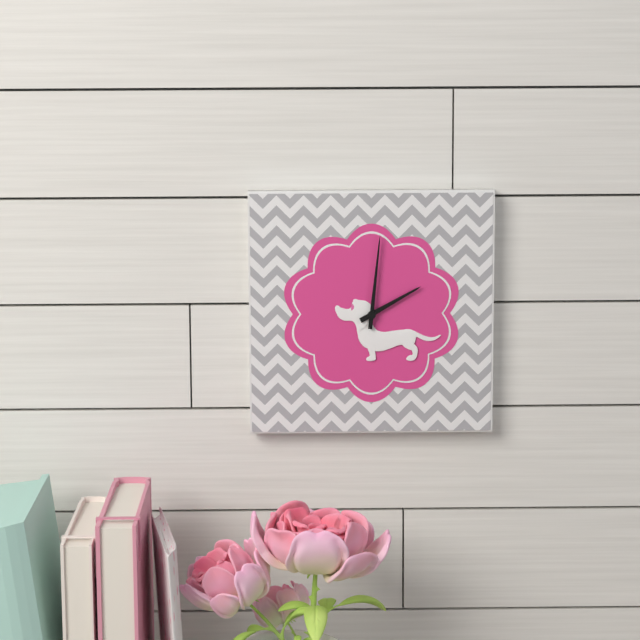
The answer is 2,01
